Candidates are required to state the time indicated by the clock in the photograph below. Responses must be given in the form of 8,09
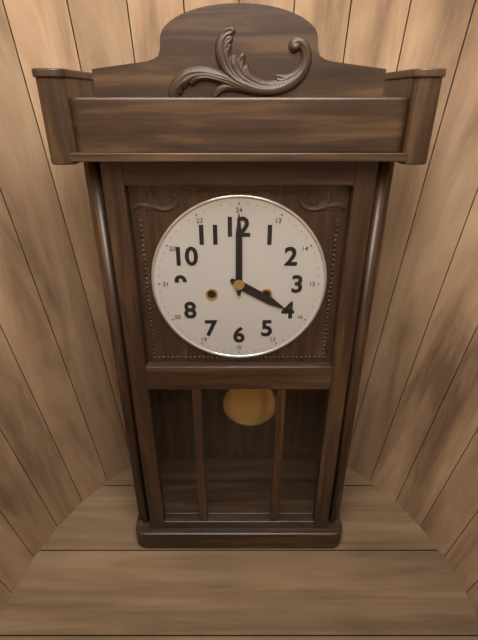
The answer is 4,00
